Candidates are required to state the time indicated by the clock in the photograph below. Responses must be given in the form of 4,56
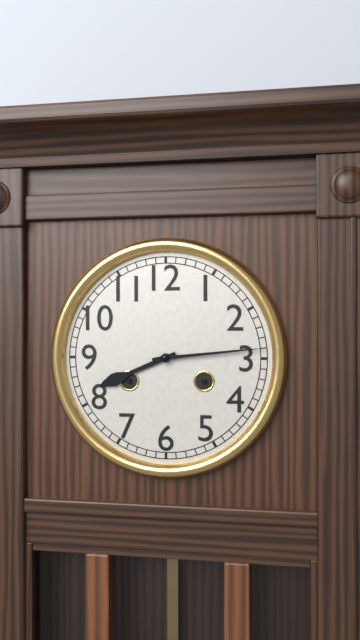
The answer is 8,14
